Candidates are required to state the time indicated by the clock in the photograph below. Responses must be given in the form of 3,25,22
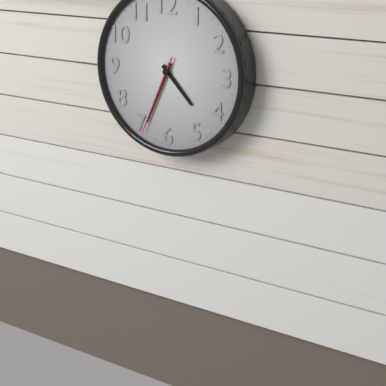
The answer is 4,34,34
